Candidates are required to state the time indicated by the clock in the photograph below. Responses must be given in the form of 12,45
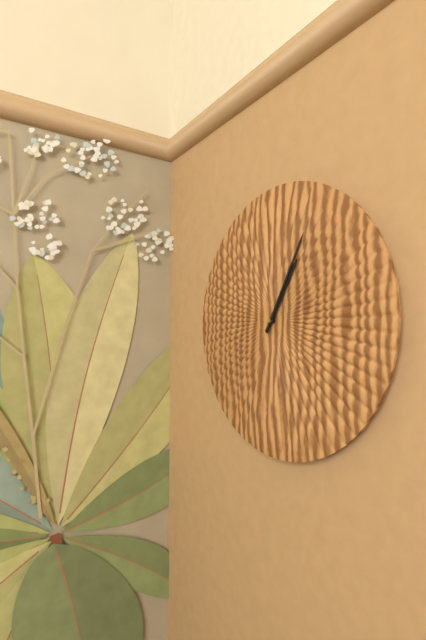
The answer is 1,05
